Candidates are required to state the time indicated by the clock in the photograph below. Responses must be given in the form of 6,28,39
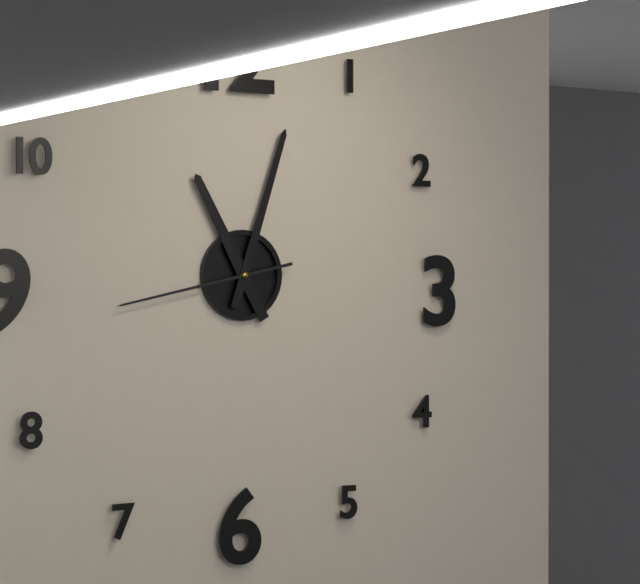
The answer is 11,03,43
